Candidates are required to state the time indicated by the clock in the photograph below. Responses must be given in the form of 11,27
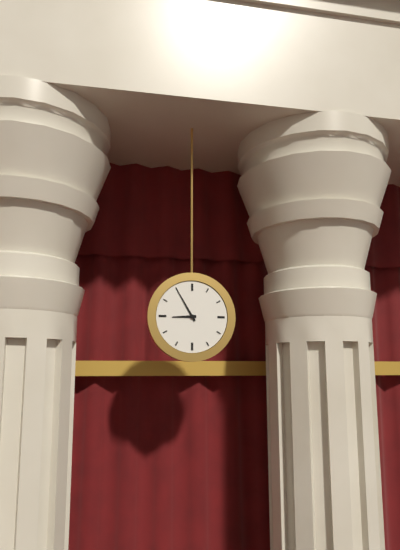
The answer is 8,55
